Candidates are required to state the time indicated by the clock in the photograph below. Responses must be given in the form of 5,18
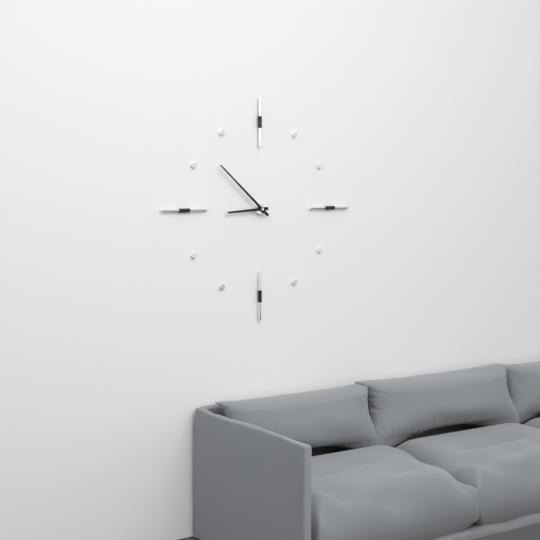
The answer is 8,52
